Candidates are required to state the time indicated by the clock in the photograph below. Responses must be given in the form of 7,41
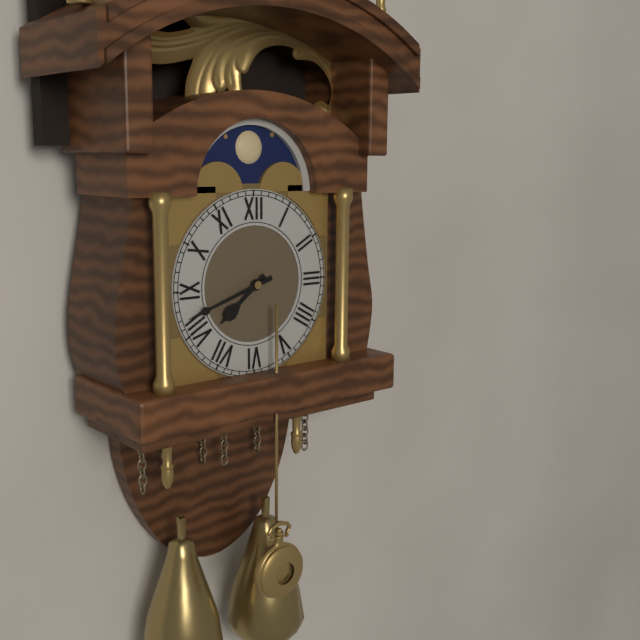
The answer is 7,42
